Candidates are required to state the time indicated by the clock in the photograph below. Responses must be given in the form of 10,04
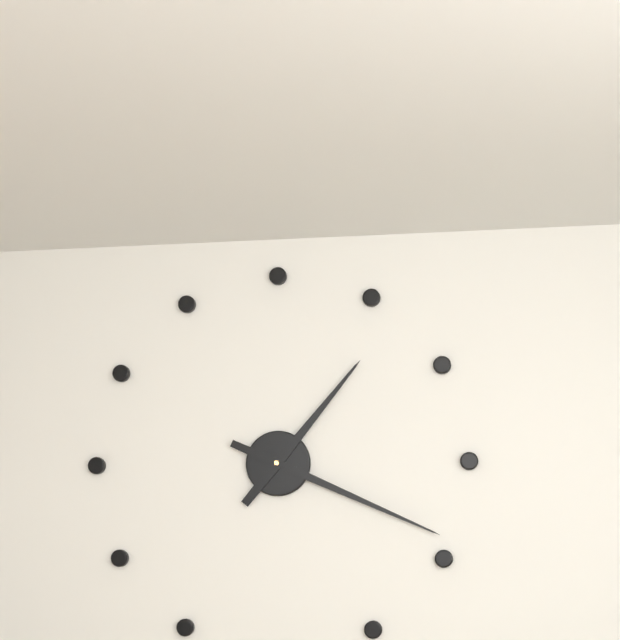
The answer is 1,19
